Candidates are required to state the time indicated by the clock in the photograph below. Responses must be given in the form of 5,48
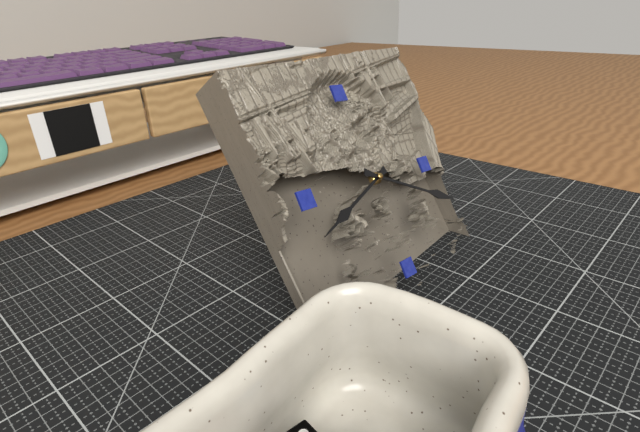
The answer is 8,19
